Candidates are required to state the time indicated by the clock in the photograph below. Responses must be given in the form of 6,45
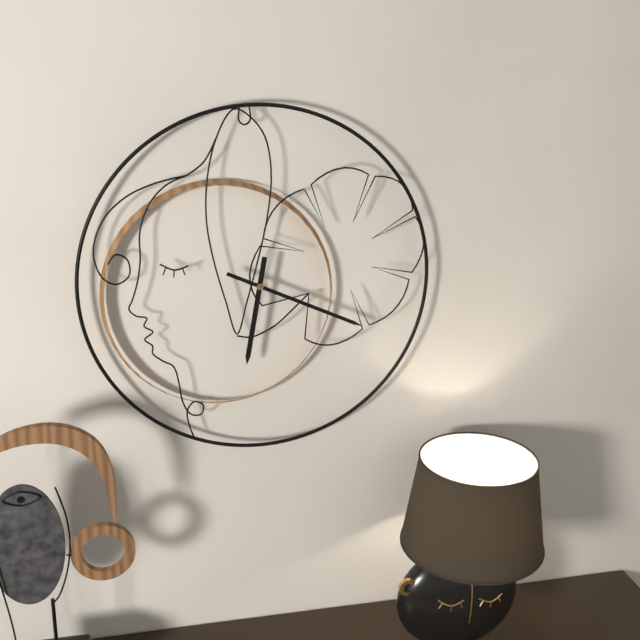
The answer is 6,19
